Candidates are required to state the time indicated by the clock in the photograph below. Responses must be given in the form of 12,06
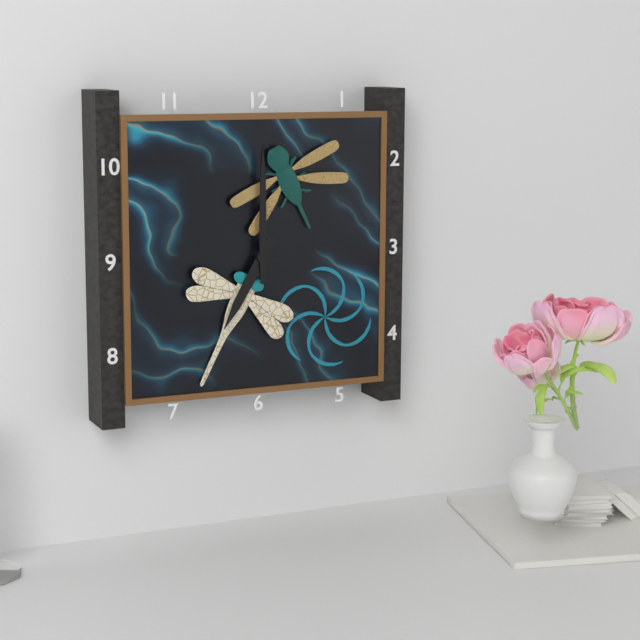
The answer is 7,00
